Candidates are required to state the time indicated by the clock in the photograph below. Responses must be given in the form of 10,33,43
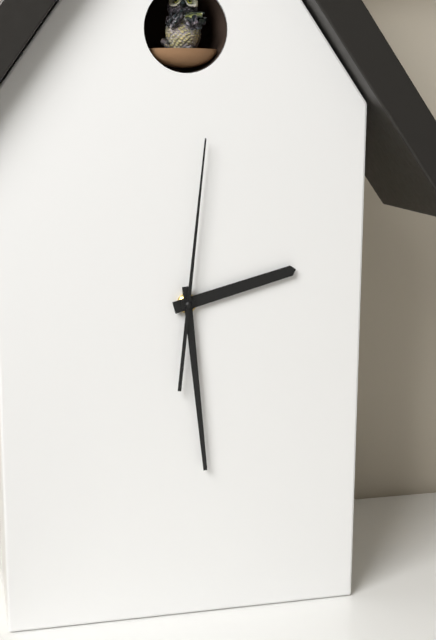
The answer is 2,29,01
